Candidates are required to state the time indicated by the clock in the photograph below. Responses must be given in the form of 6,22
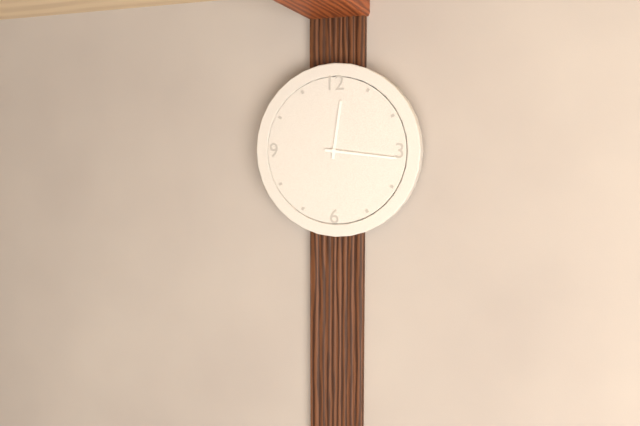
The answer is 12,16
